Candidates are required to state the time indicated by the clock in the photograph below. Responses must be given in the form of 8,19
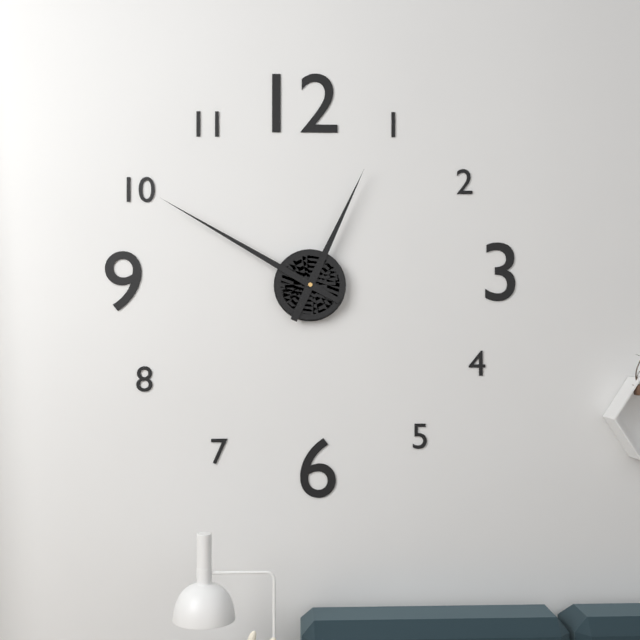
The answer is 12,50
